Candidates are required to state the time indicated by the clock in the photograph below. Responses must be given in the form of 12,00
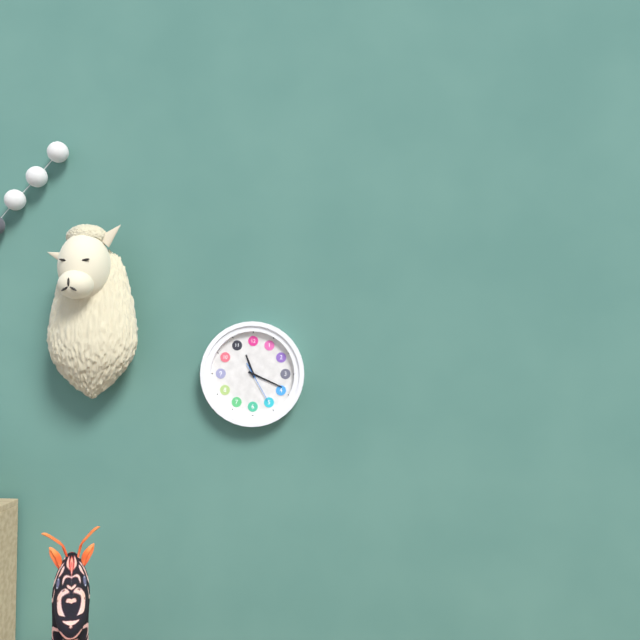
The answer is 11,19
